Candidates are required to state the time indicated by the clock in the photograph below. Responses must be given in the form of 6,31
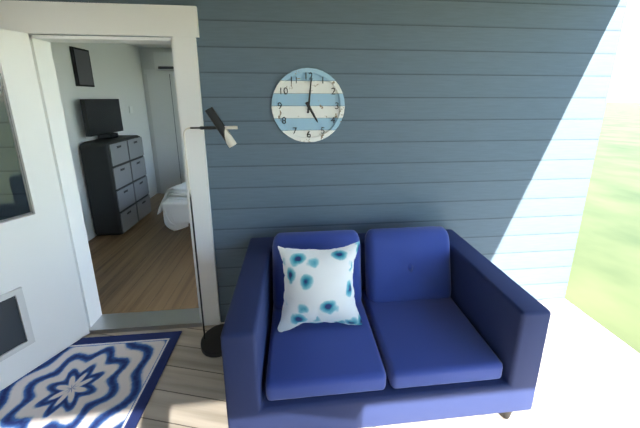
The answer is 5,01
